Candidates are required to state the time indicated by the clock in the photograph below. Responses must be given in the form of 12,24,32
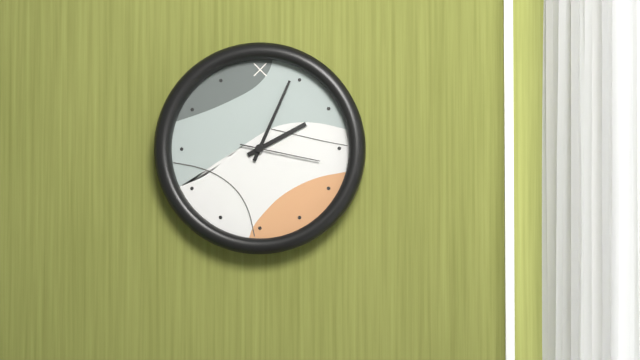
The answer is 2,04,17
